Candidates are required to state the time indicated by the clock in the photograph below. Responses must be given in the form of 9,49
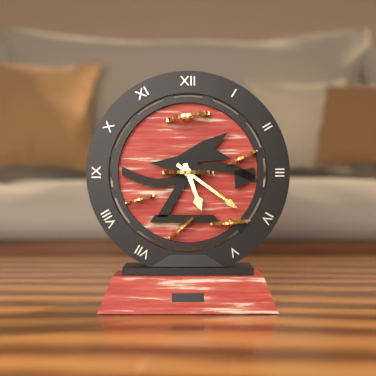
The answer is 5,21
